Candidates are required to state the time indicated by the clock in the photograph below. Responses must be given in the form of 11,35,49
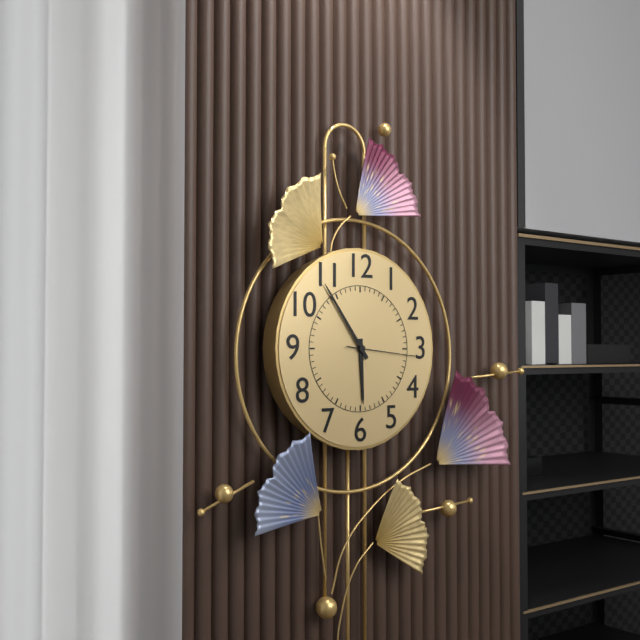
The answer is 5,54,16
